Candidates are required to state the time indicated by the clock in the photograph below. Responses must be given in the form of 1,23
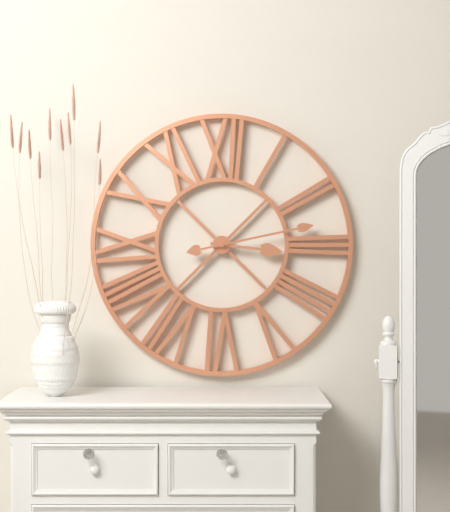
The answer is 3,13
